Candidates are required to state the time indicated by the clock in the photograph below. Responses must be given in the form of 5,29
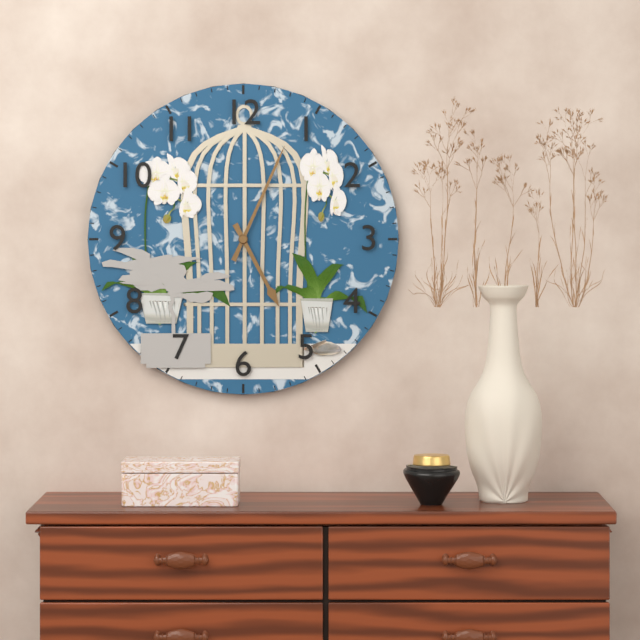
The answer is 5,04
